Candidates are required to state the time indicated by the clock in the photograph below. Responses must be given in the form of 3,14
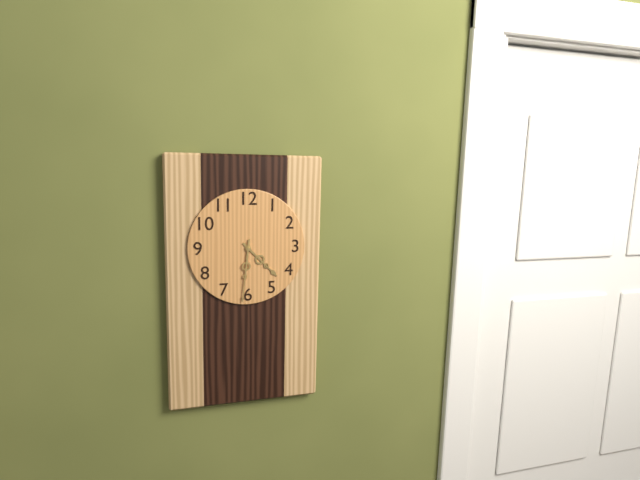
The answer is 4,31
